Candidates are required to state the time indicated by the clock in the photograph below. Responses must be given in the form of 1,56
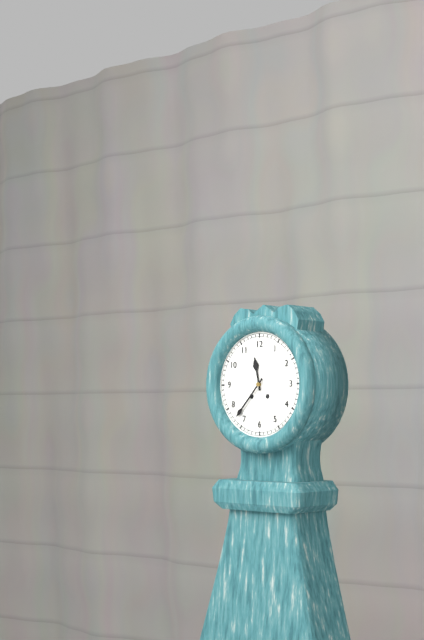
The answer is 11,37
